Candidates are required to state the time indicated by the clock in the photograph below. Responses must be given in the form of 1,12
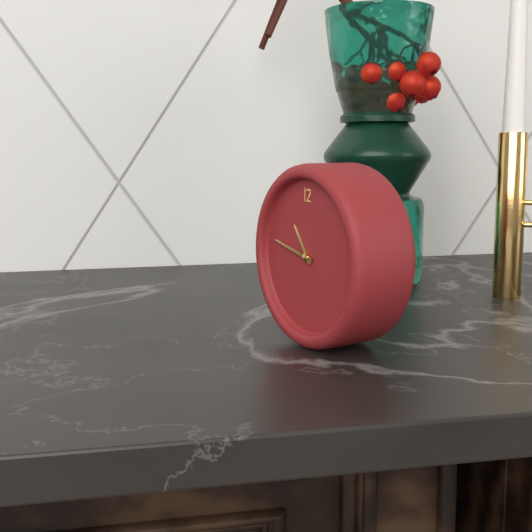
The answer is 10,47
